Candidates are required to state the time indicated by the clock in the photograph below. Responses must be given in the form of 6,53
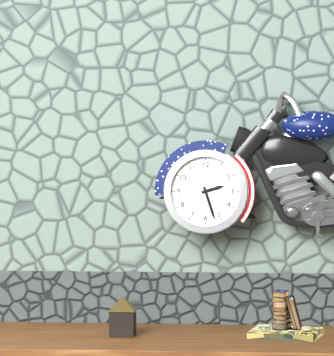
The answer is 2,27
